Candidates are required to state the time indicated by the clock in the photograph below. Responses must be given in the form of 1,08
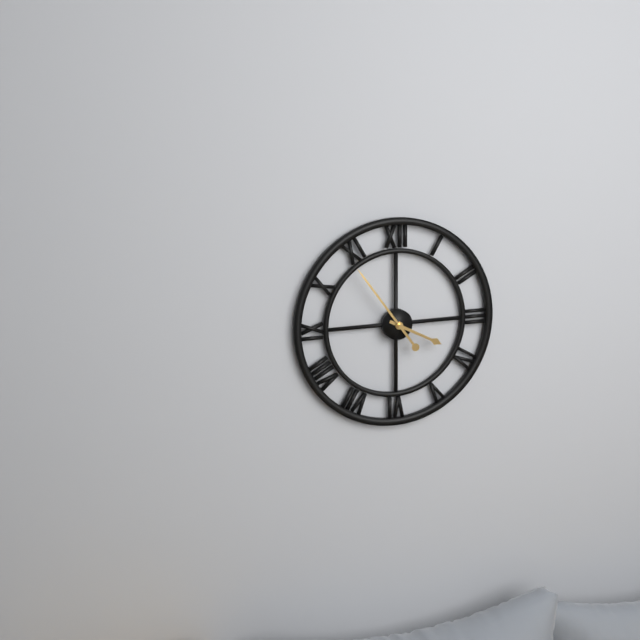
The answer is 3,54
